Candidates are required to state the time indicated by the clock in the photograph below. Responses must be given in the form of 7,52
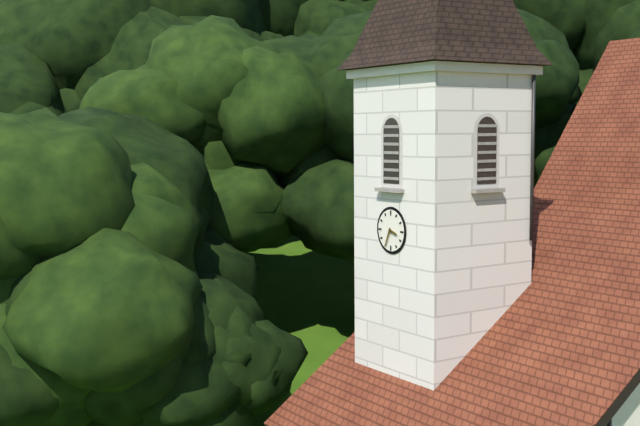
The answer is 3,34
